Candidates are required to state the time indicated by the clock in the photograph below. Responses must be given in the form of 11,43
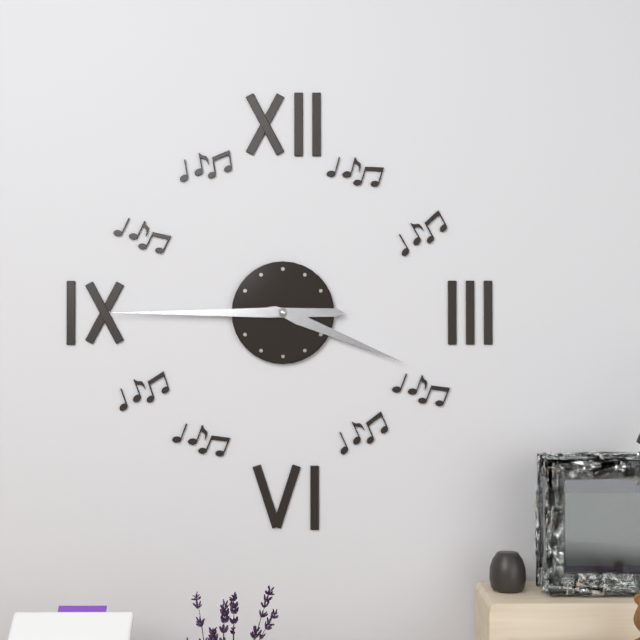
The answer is 3,45
